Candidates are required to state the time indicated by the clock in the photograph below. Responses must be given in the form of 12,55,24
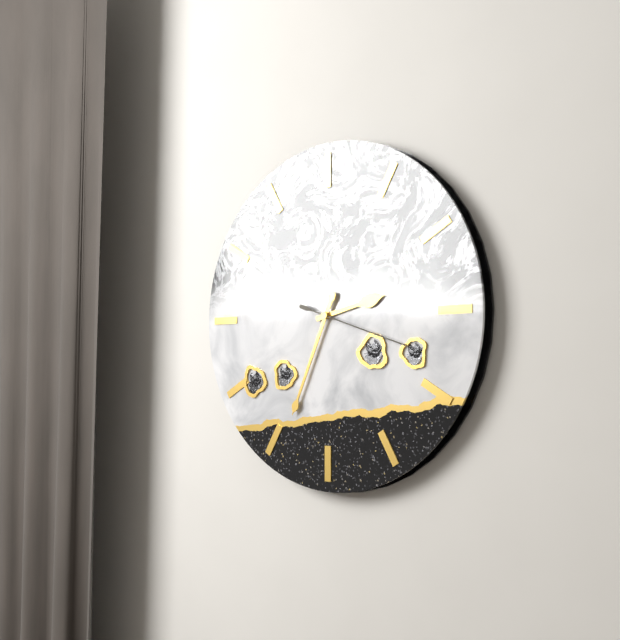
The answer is 2,34,18
